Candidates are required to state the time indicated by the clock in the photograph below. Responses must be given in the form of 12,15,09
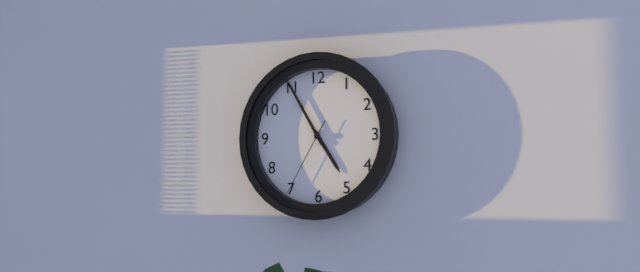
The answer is 4,55,35
